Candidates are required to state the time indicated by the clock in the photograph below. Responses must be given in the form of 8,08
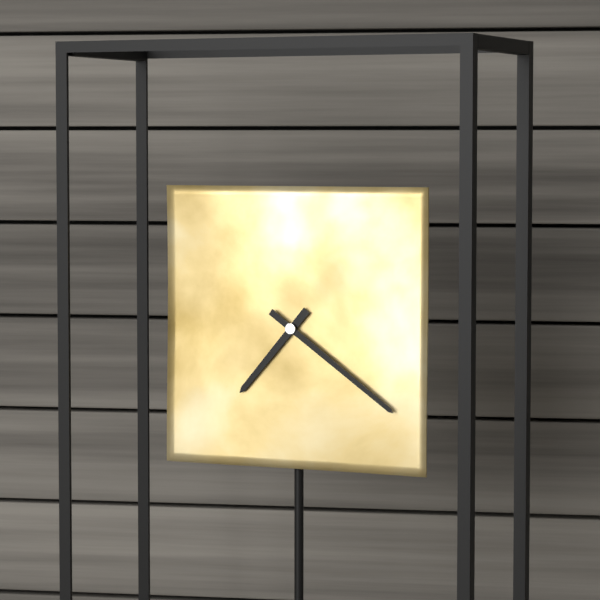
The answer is 7,21
